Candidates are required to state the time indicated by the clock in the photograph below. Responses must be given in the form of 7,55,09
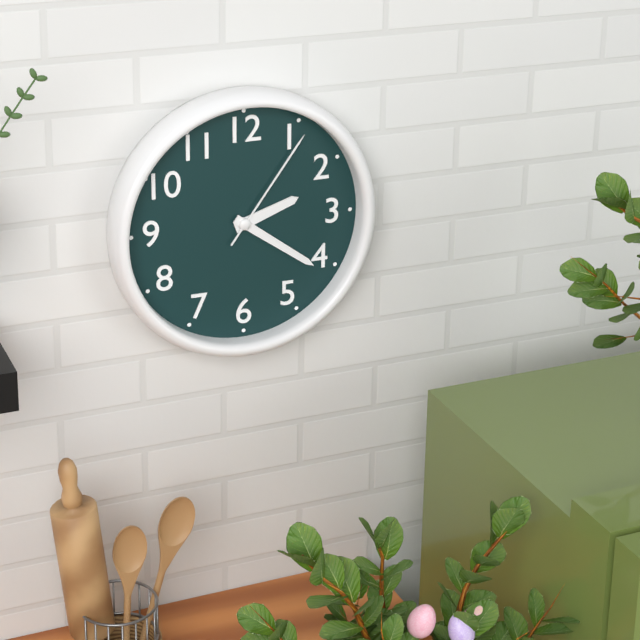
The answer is 2,21,06
